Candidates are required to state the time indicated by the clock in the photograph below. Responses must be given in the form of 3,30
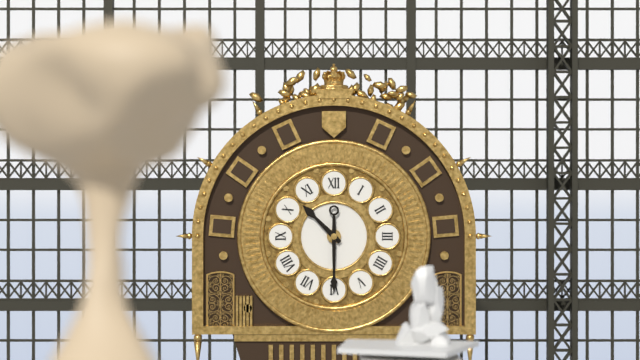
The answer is 10,30
